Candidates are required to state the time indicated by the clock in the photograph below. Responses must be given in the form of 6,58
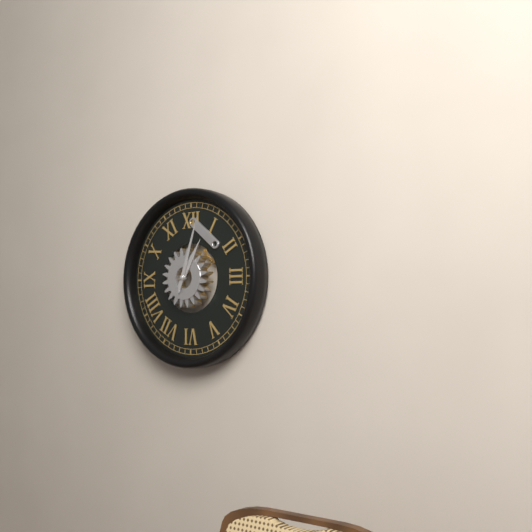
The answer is 1,03
